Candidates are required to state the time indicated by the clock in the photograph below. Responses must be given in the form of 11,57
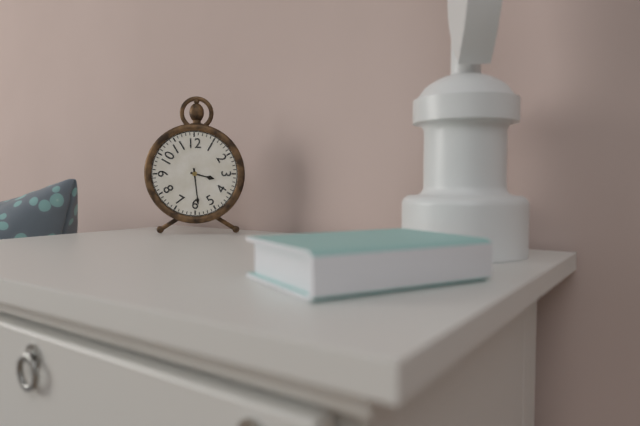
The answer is 3,29
